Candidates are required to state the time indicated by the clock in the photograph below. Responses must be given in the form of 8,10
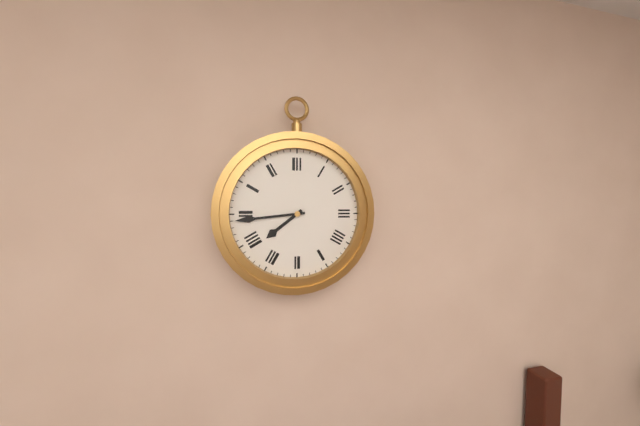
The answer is 7,44
